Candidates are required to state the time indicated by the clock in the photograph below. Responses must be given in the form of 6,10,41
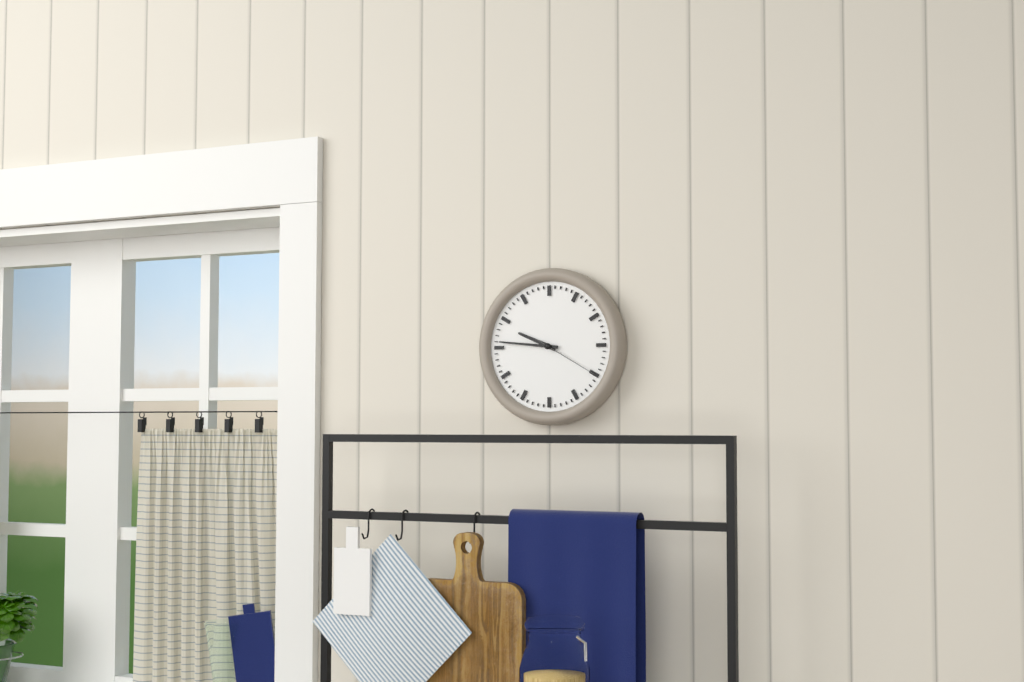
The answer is 9,46,20
